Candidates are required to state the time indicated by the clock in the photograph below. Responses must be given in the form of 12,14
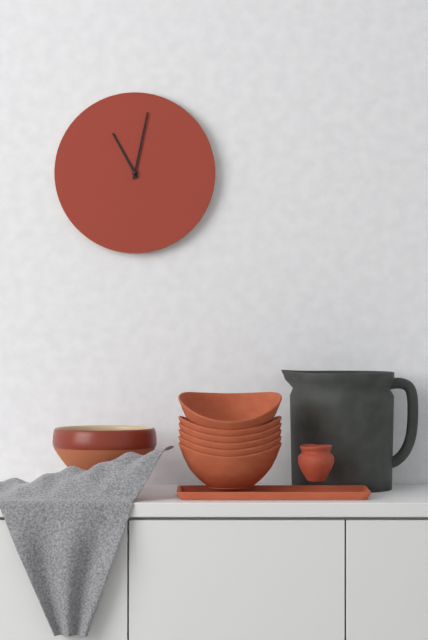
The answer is 11,02
